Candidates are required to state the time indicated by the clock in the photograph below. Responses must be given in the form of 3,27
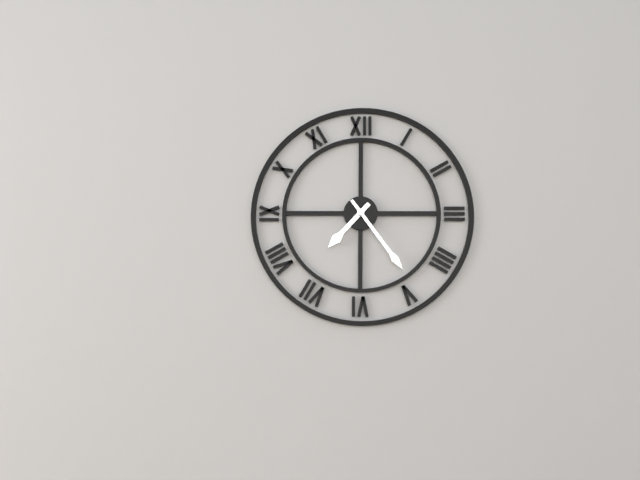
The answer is 7,24
